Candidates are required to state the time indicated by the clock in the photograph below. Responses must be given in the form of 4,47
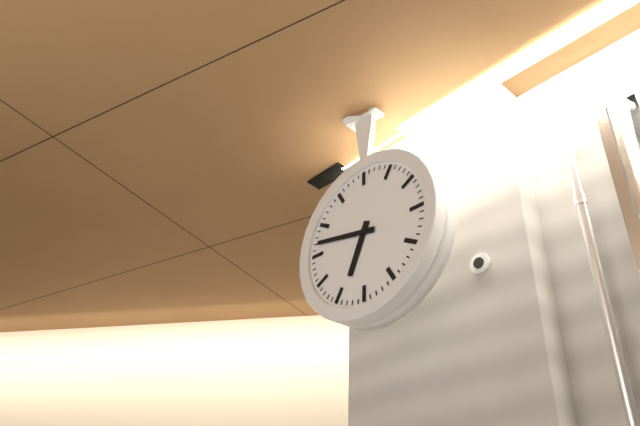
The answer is 6,47
